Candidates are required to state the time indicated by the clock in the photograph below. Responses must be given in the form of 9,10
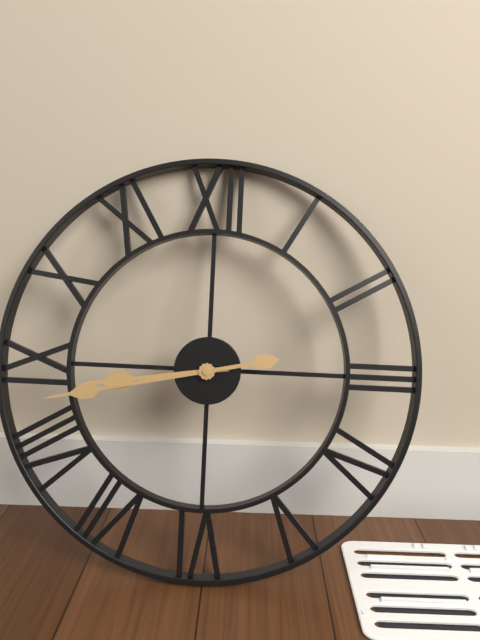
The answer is 8,43
